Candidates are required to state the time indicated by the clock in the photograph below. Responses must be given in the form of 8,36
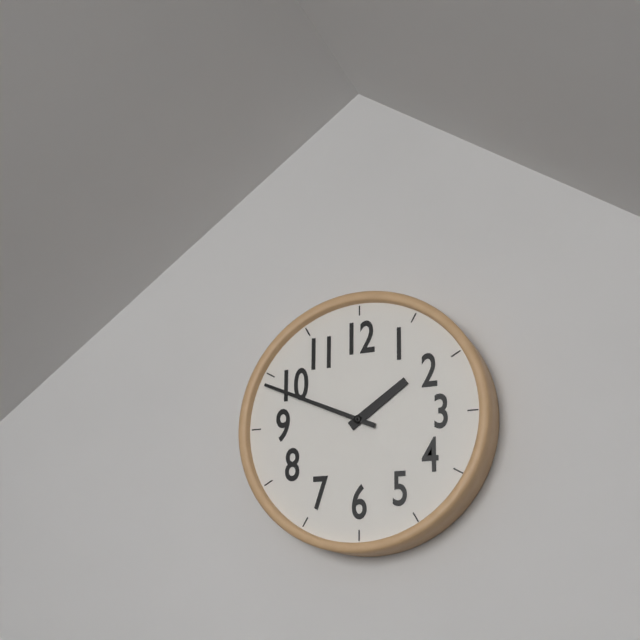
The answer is 1,49
